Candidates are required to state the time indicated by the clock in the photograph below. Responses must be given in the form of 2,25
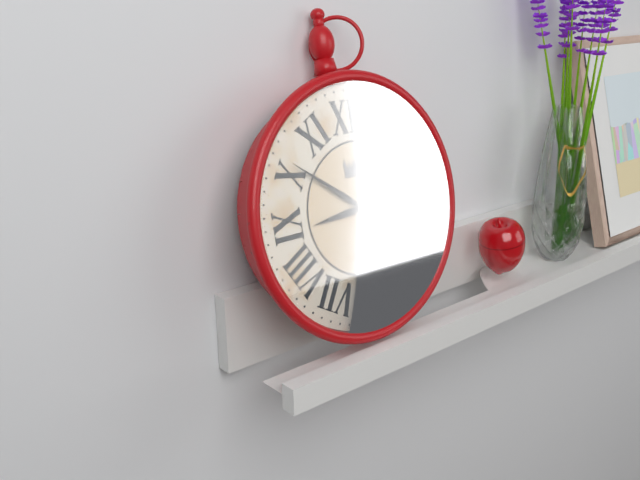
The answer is 8,51
